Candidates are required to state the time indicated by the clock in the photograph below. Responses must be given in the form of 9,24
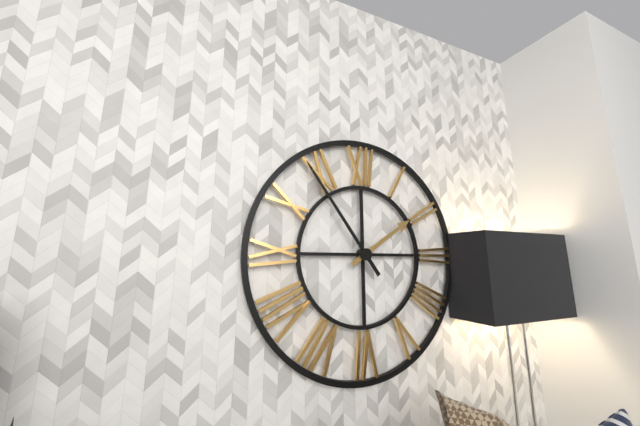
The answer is 1,54
